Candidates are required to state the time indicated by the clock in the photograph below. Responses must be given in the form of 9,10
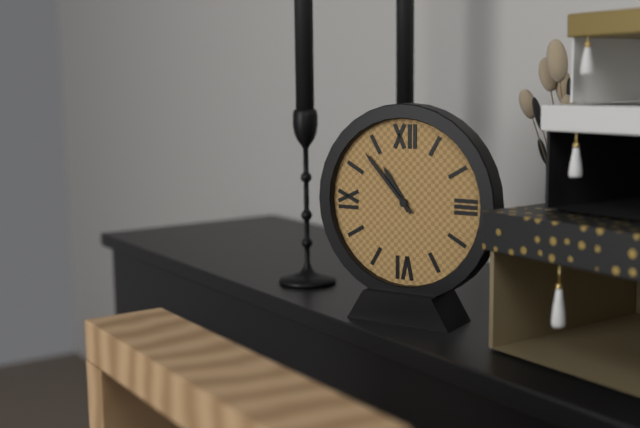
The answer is 10,53
